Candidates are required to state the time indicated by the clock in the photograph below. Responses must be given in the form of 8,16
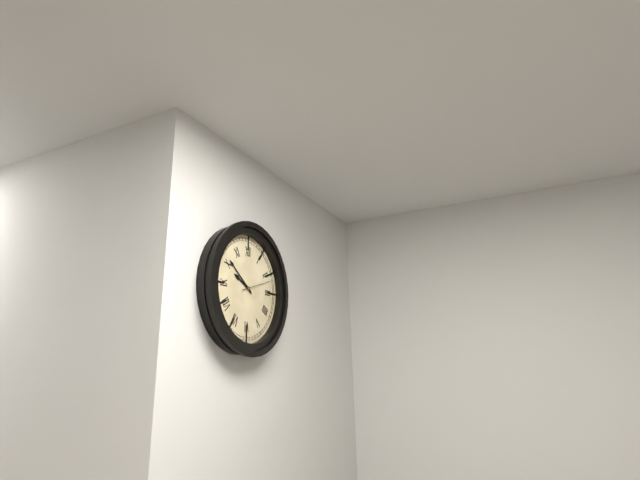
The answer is 9,51
